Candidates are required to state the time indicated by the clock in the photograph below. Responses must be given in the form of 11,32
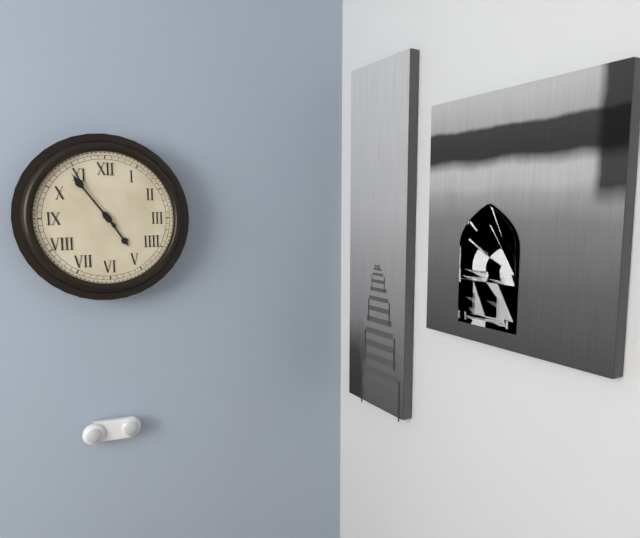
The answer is 4,54
